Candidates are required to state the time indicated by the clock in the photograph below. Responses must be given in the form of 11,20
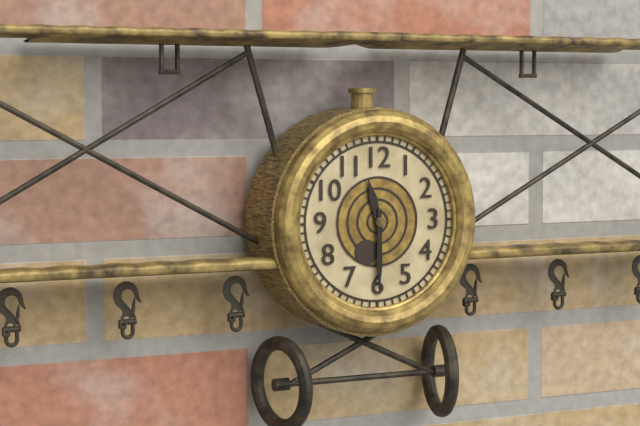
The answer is 11,30
